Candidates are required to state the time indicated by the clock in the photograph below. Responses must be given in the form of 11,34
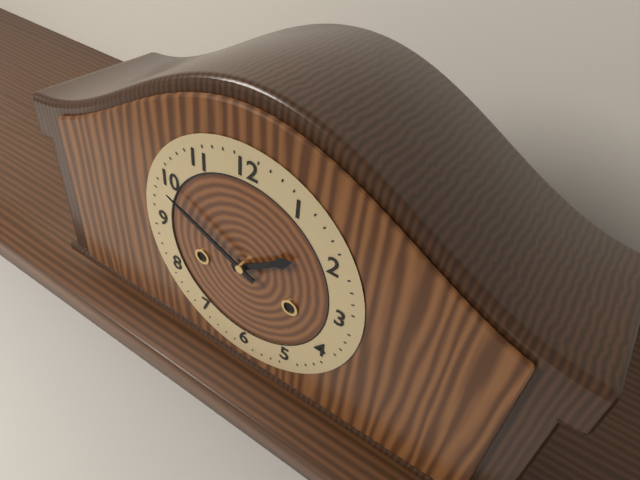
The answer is 1,49
